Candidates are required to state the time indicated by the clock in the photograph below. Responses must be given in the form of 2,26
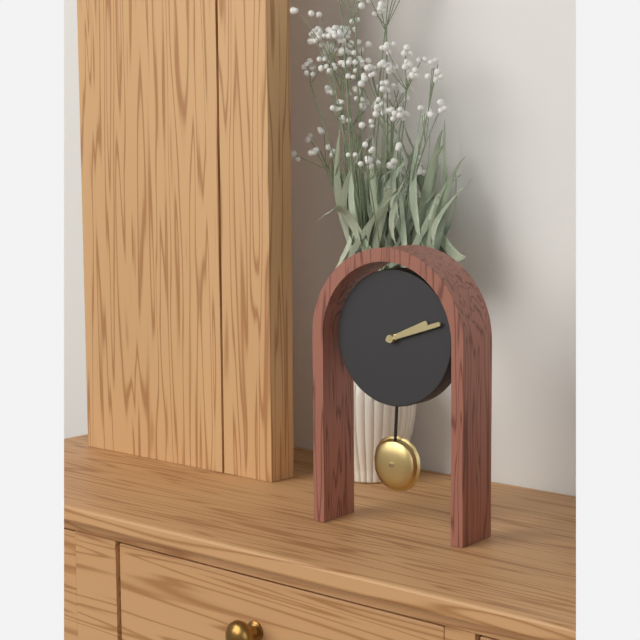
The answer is 2,12
